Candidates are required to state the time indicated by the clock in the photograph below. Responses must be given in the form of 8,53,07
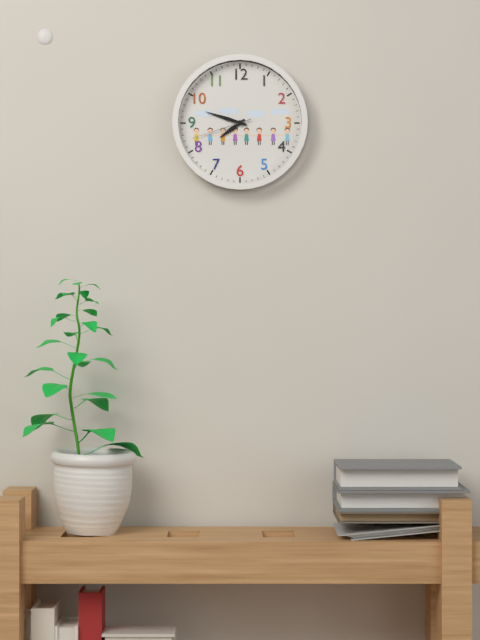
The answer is 7,48,42
